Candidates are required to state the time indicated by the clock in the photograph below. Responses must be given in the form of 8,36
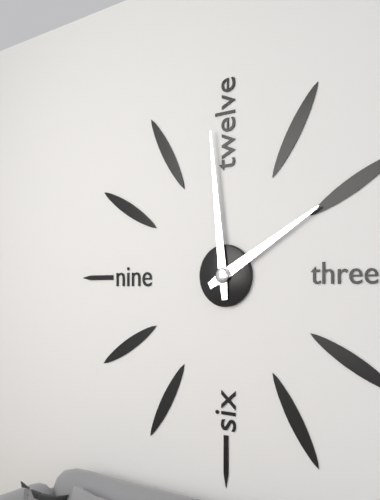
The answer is 1,59
